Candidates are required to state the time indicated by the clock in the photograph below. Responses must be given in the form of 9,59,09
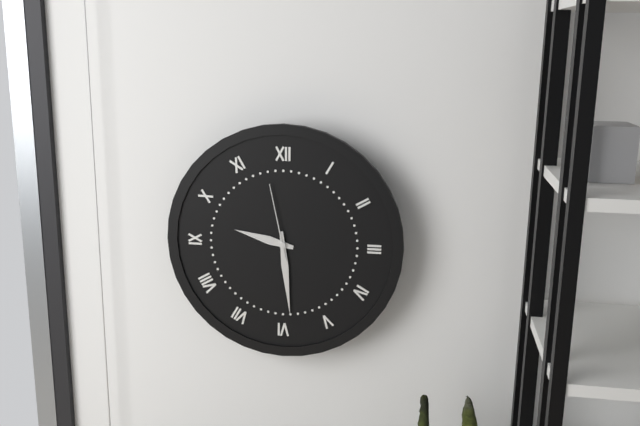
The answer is 9,29,58
